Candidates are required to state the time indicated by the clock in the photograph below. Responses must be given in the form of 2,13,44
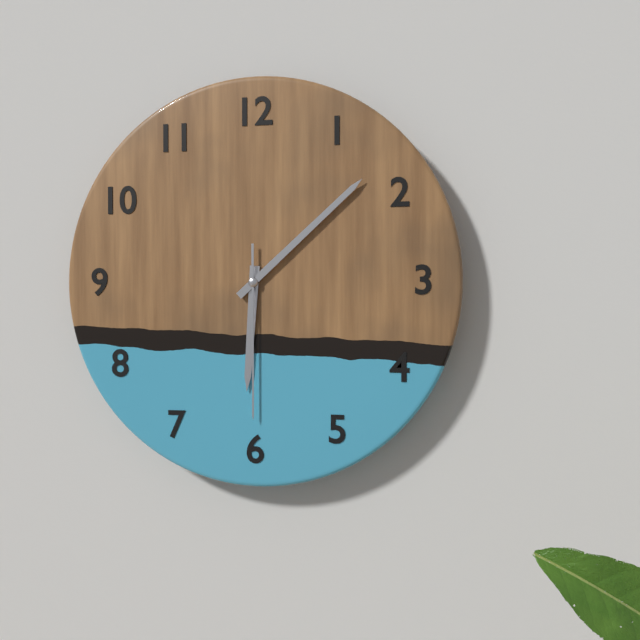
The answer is 6,08,30
